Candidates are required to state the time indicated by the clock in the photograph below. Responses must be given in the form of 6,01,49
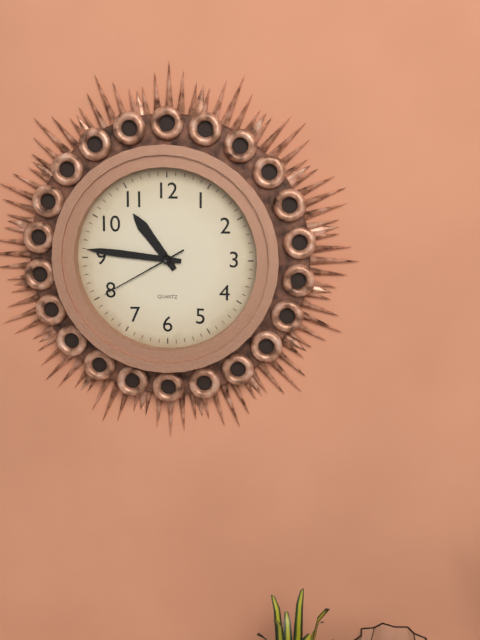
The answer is 10,46,40
